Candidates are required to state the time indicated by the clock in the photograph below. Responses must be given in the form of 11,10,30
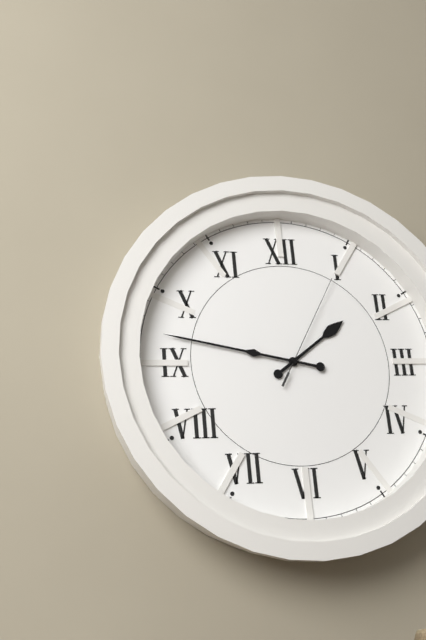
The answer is 1,47,05
